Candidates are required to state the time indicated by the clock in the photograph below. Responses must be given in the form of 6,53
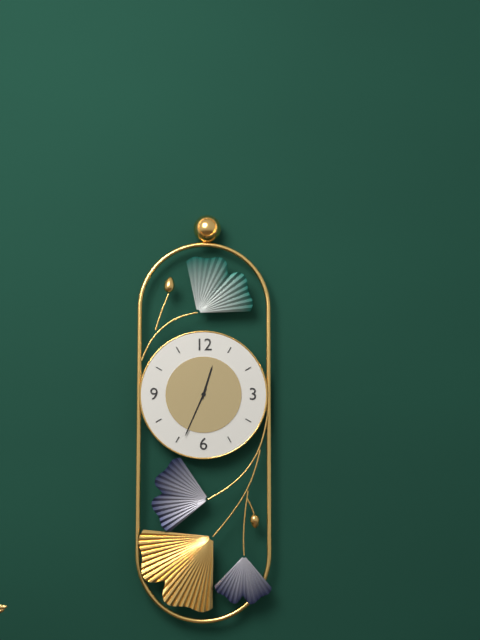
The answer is 12,34
